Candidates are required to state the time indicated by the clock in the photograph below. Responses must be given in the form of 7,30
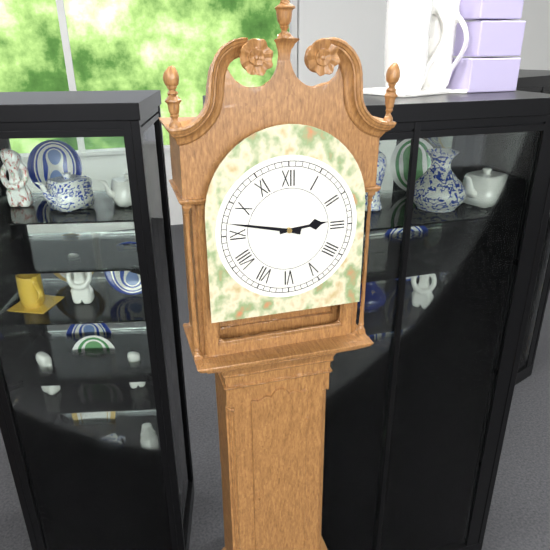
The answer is 2,47
